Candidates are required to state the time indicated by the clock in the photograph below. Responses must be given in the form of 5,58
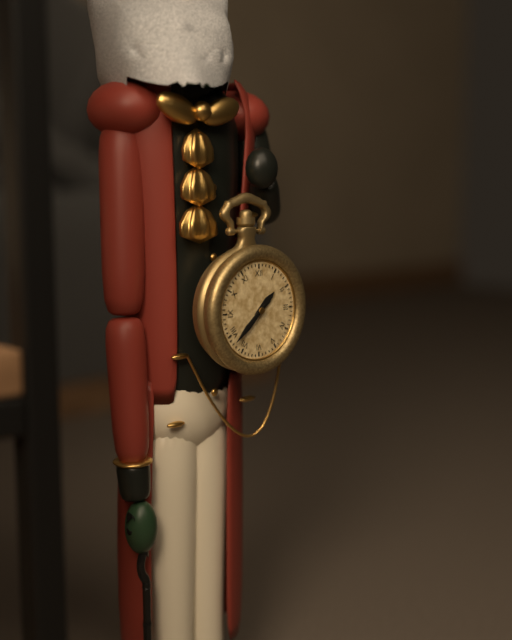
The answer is 1,38
